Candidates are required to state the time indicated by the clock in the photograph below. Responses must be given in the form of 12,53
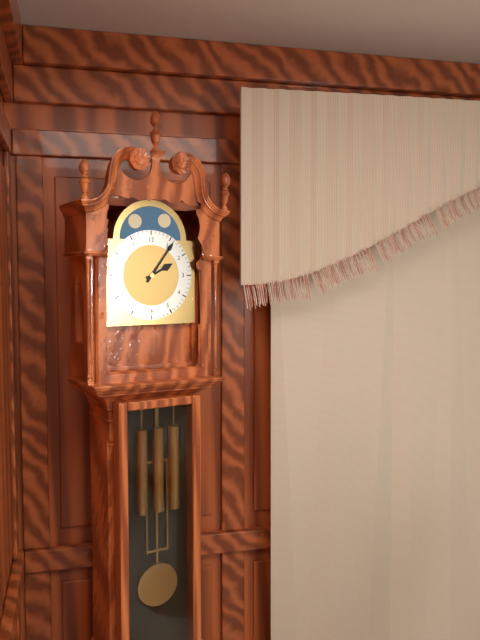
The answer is 2,06
